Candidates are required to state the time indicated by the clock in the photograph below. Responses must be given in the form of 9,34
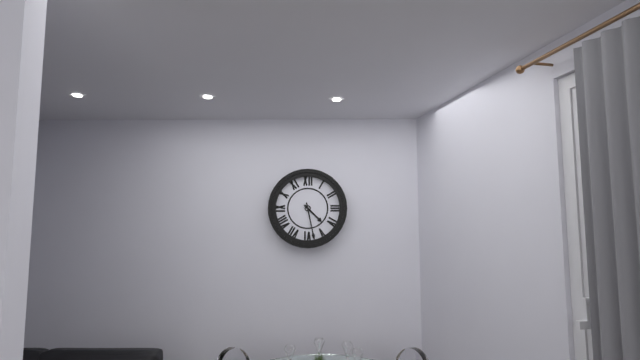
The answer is 4,28
